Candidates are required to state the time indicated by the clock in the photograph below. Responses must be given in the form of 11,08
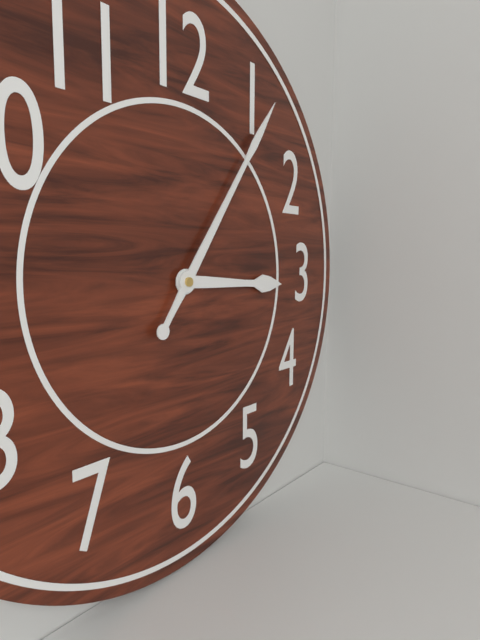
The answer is 3,06
